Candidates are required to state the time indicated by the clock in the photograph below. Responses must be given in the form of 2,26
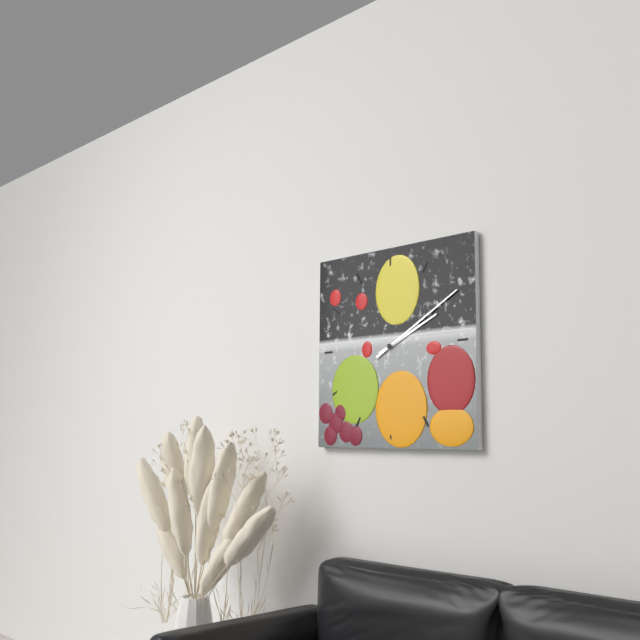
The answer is 2,10
